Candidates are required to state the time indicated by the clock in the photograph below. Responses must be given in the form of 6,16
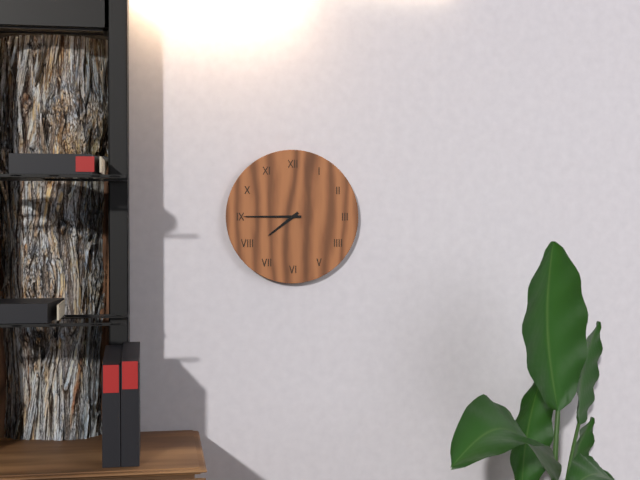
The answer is 7,45
